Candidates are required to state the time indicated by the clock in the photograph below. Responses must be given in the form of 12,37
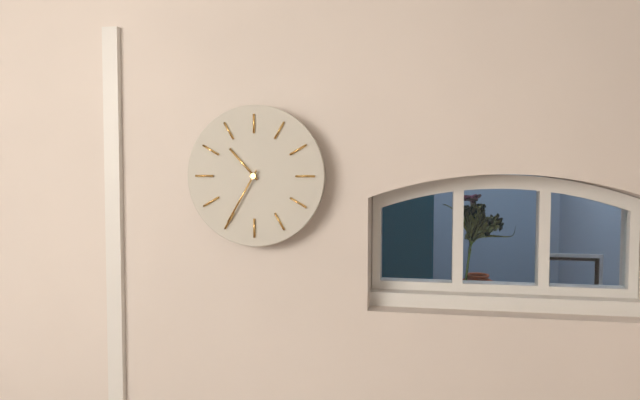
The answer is 10,35
